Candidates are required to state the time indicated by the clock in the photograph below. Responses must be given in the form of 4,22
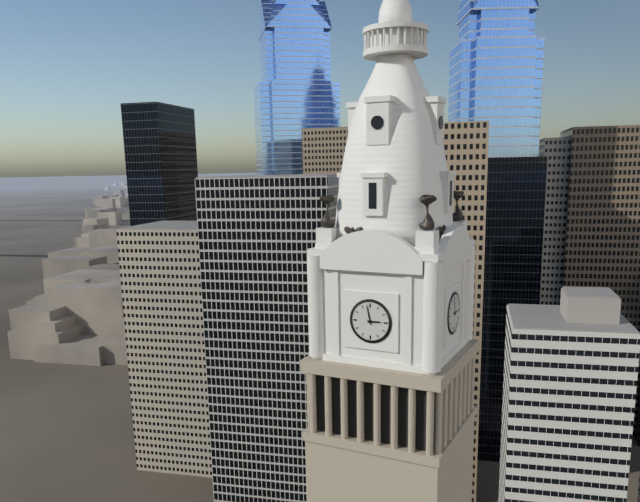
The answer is 2,58
